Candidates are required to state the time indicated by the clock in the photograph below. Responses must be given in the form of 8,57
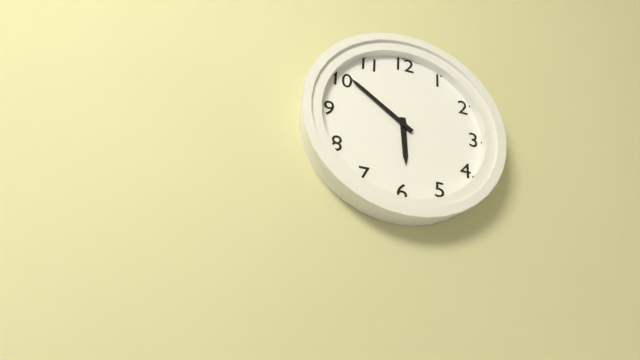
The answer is 5,51
